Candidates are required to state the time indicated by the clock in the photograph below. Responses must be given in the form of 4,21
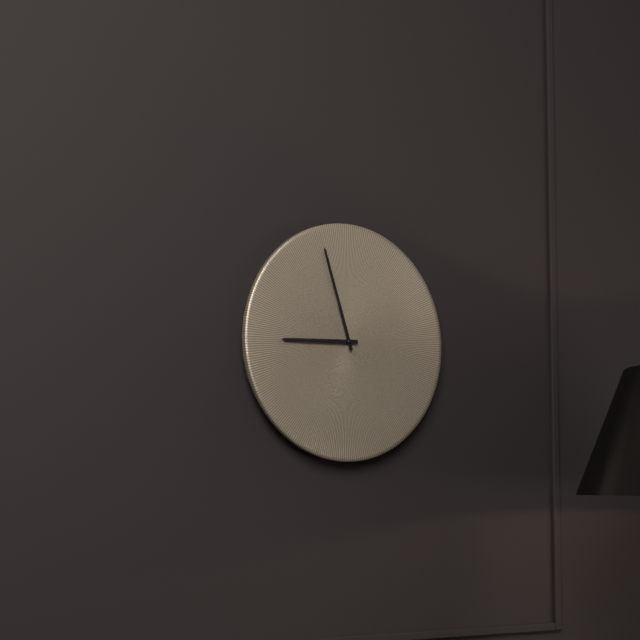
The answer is 8,57
